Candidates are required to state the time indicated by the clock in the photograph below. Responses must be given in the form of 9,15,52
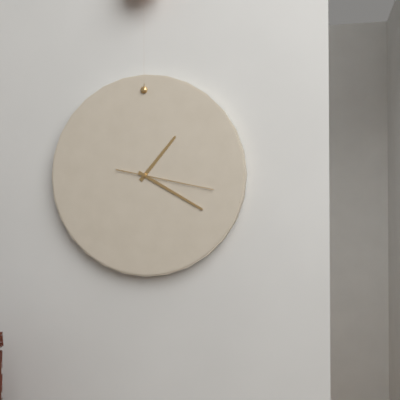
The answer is 1,20,17
